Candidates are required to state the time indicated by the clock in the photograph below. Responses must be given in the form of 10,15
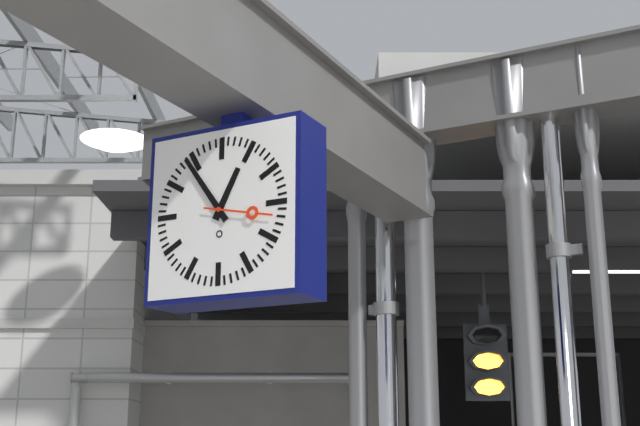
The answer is 12,54
